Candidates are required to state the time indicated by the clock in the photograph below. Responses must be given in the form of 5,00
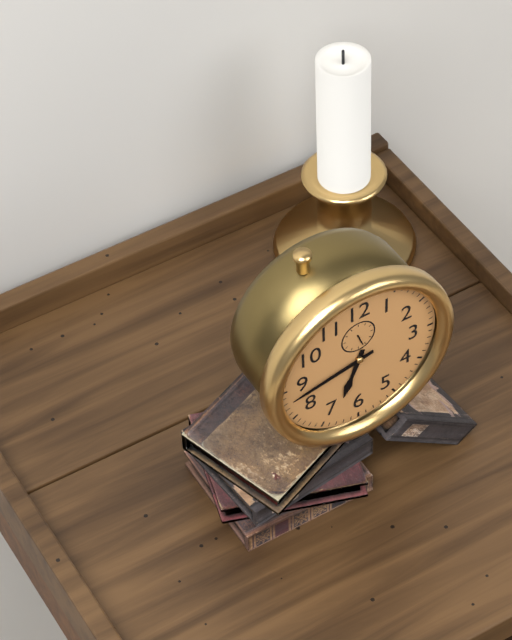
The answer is 6,43
